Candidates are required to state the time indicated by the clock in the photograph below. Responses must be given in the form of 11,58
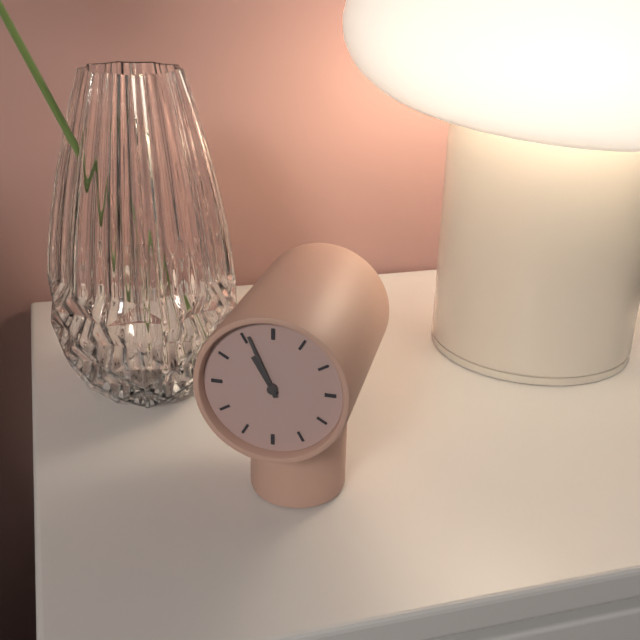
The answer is 10,56
